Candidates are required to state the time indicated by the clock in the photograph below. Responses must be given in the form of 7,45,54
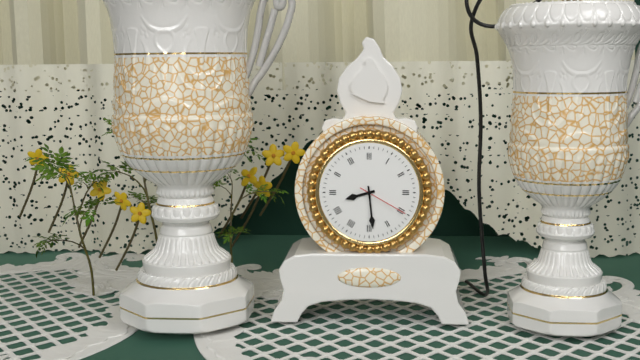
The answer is 8,29,20
